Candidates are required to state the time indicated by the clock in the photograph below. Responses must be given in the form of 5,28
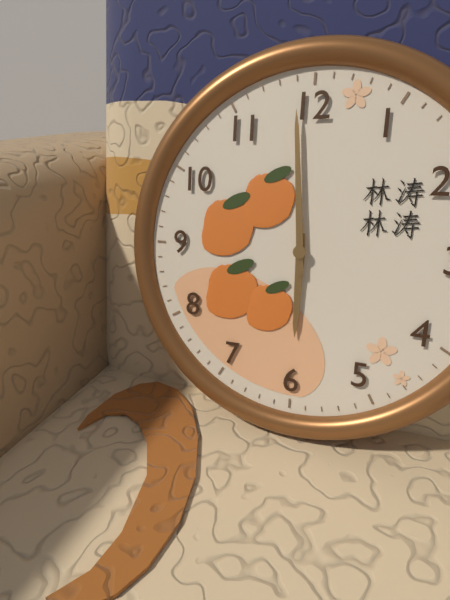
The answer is 5,59
